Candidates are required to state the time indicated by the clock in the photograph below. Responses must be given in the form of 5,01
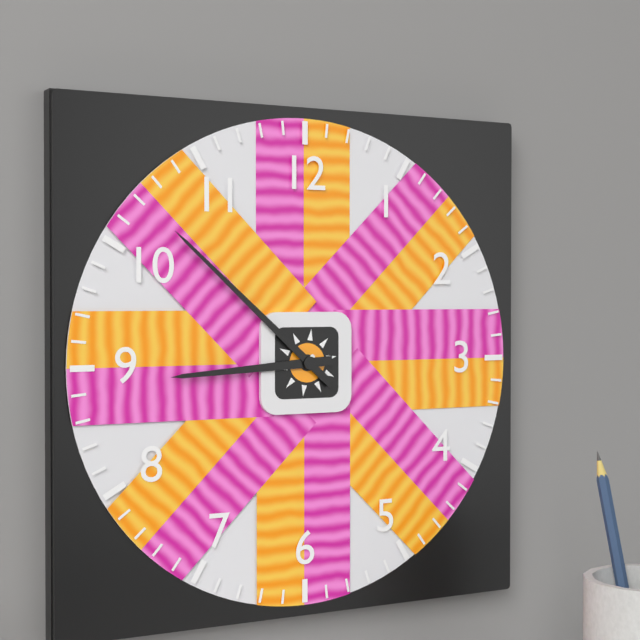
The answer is 8,52
